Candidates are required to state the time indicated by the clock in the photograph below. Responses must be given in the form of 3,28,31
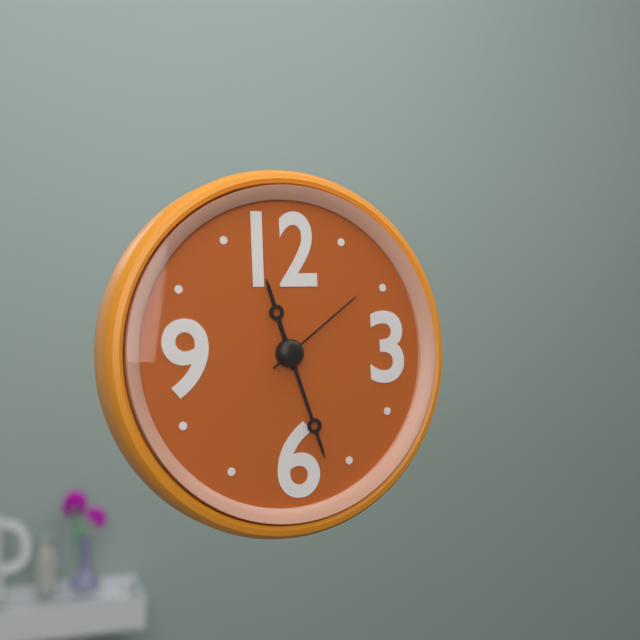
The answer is 11,27,09
